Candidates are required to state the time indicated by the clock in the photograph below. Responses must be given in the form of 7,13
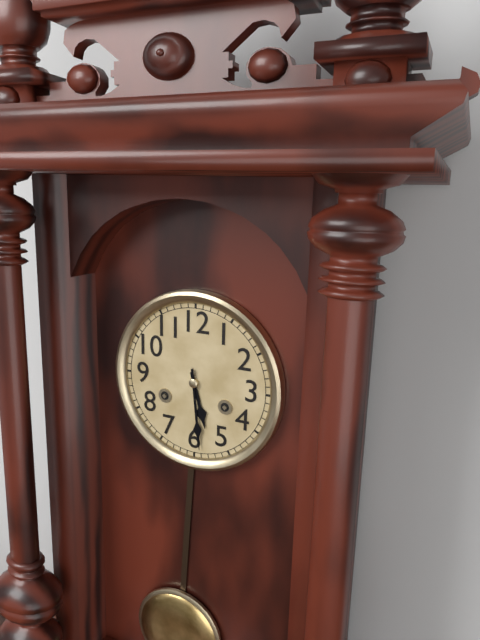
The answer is 5,29
